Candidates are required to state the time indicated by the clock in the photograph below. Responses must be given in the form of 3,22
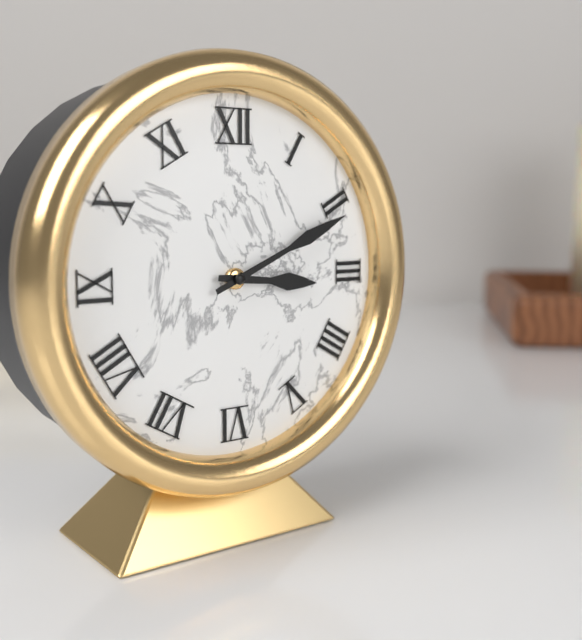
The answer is 3,11
